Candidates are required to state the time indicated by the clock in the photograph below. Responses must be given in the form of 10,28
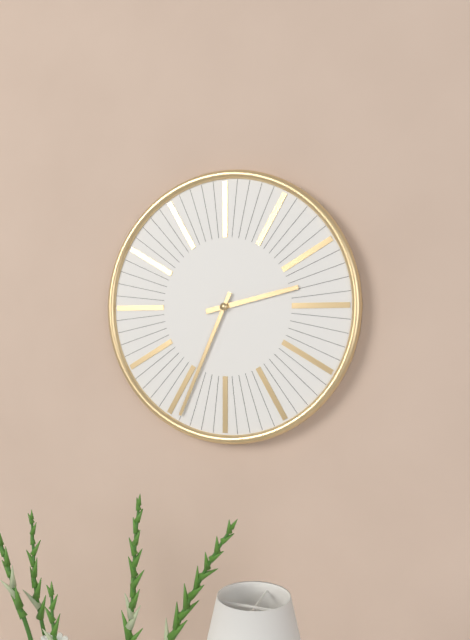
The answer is 2,34
